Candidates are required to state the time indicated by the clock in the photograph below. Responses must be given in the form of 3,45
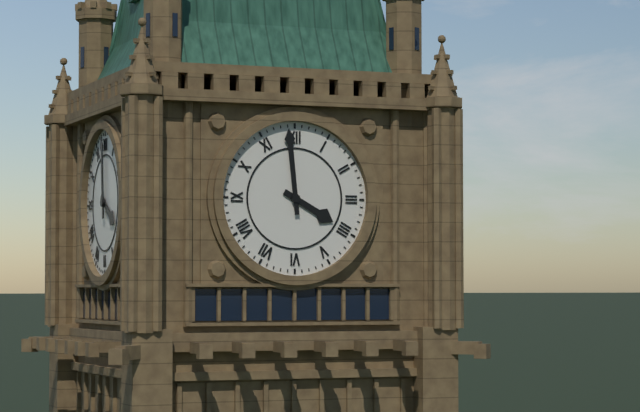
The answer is 3,59
